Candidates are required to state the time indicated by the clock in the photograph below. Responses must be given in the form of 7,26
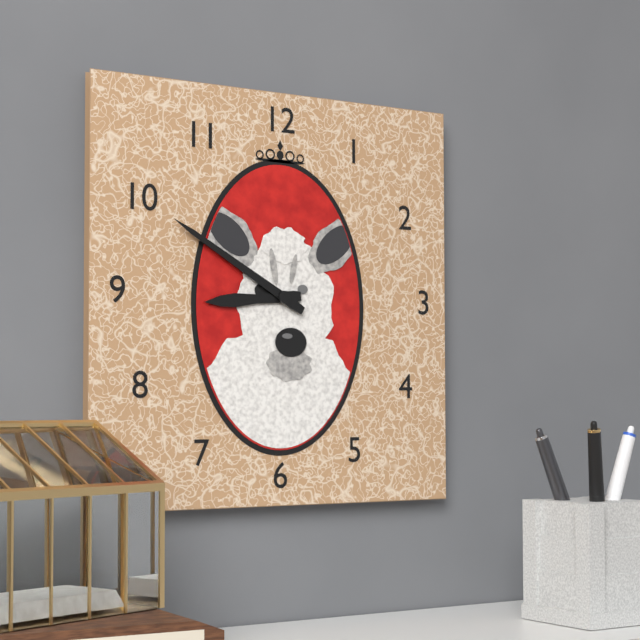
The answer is 8,50
